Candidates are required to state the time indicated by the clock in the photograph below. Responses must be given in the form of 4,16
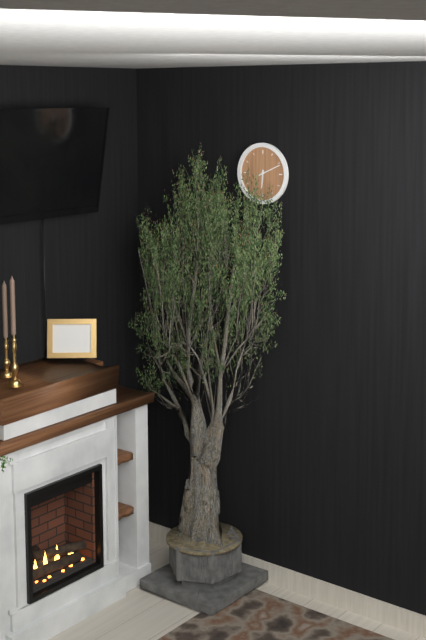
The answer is 6,11
